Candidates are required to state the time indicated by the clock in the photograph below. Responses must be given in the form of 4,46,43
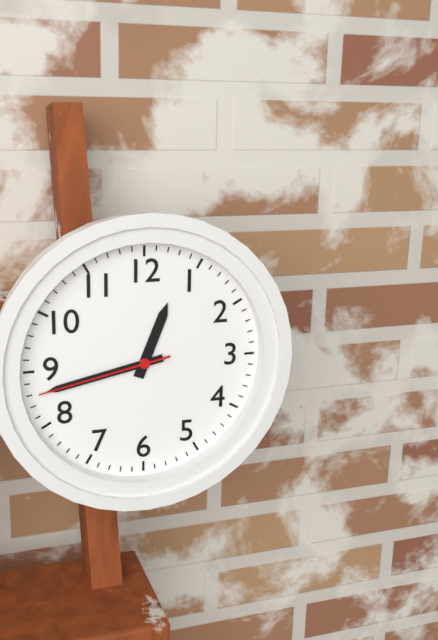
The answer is 12,43,43
